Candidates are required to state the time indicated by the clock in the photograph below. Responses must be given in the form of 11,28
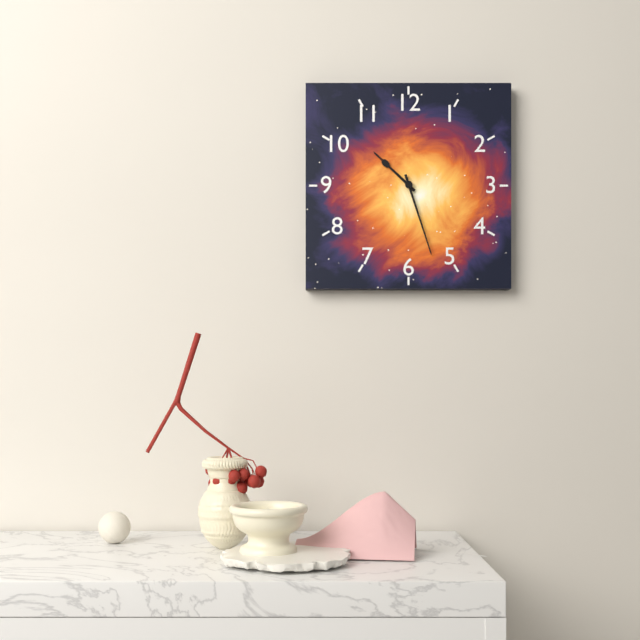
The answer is 10,27
